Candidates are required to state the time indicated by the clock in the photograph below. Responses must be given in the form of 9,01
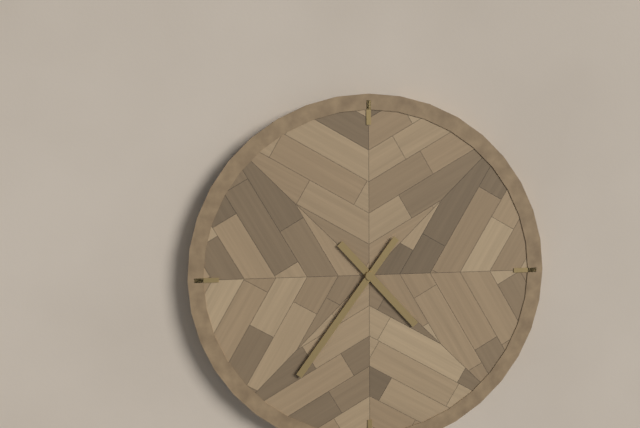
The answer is 4,36
